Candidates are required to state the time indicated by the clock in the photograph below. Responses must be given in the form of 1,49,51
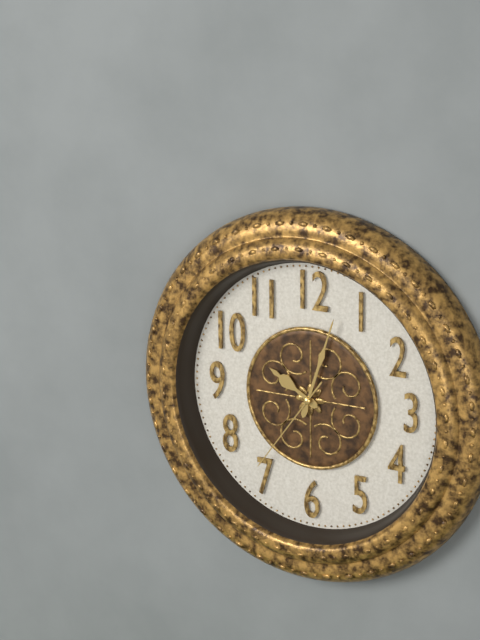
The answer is 10,03,36
